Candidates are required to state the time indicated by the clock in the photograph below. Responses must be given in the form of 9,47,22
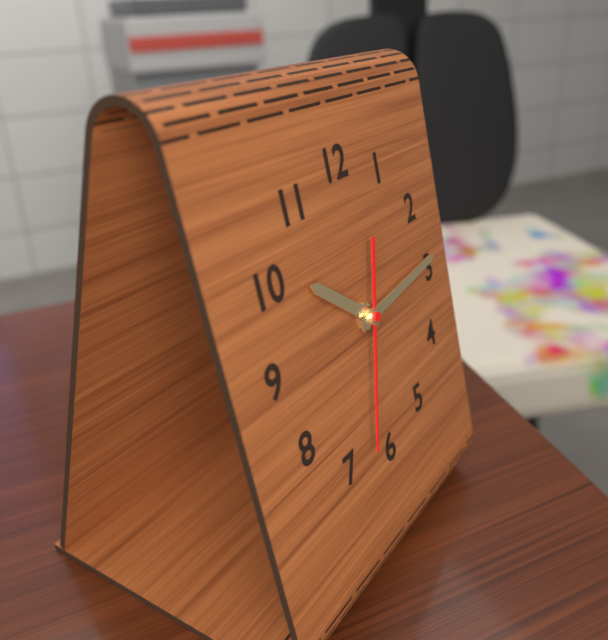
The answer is 10,14,33
